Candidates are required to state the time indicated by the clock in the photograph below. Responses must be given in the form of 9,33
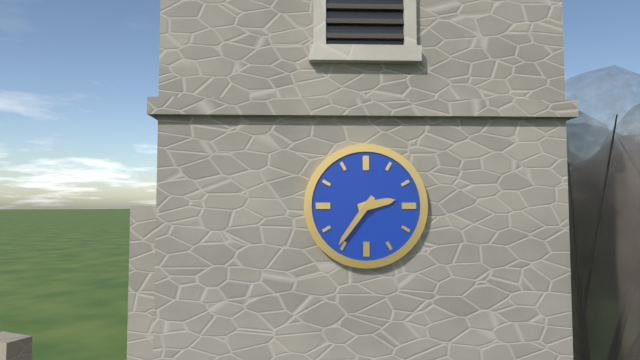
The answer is 2,36
